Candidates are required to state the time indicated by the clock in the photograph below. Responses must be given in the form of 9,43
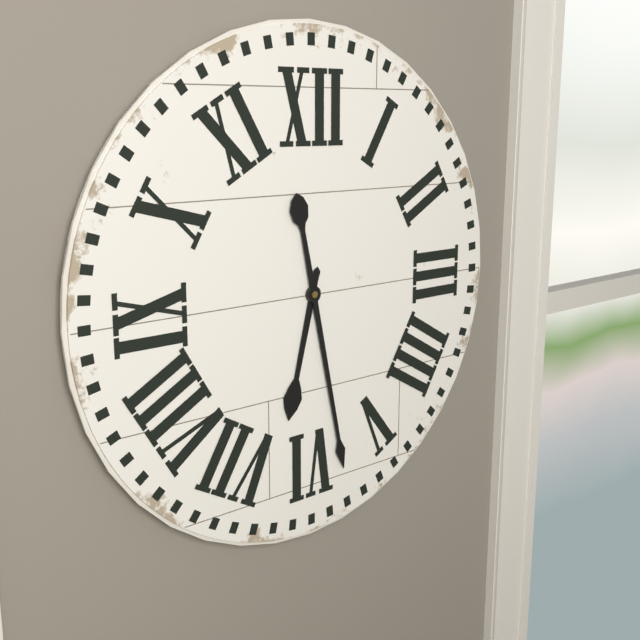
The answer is 6,28
